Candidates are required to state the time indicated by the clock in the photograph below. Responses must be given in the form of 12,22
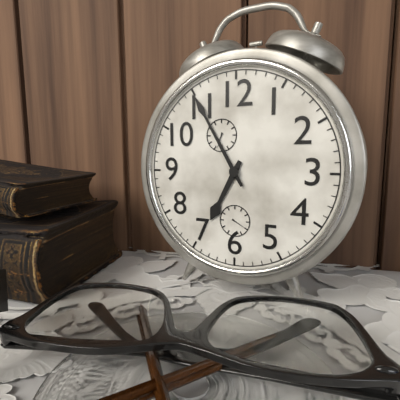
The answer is 6,55
